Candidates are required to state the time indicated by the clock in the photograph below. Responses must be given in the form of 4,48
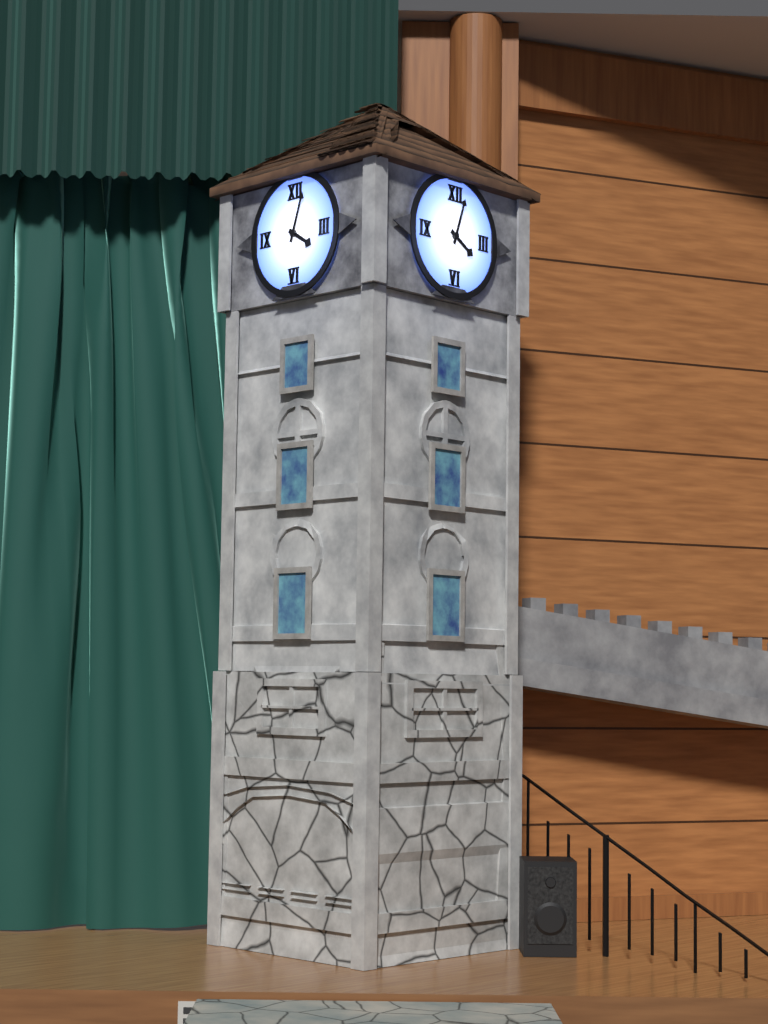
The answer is 4,03
